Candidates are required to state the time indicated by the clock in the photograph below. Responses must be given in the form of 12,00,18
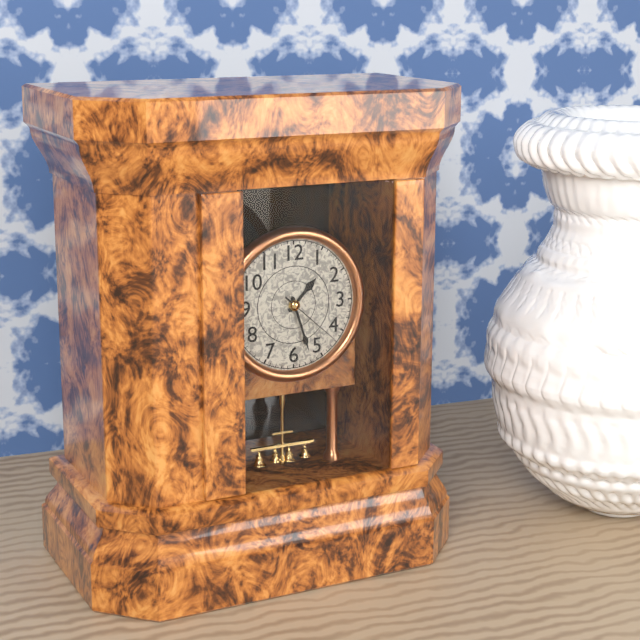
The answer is 1,27,22
